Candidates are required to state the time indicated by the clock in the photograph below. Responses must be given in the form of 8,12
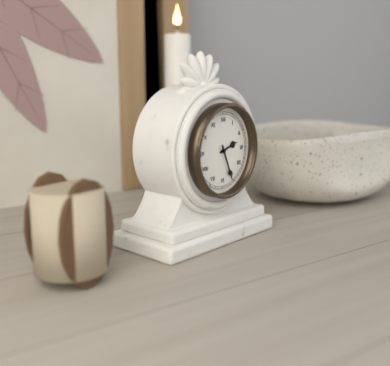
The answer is 2,26
